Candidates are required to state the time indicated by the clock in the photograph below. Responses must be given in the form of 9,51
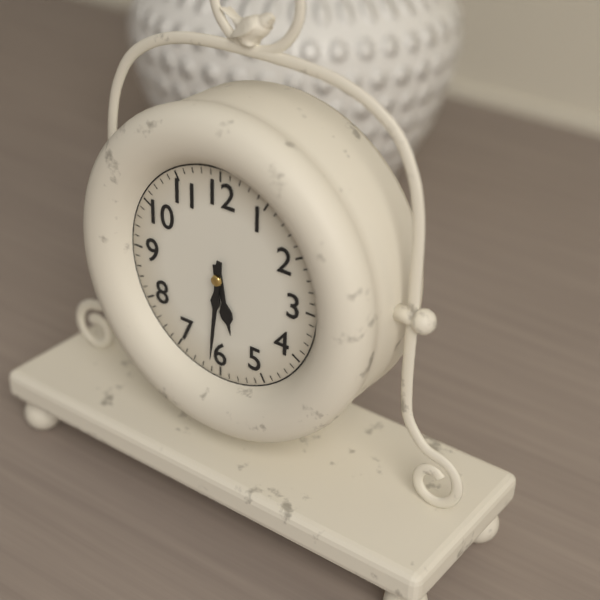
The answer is 5,31
